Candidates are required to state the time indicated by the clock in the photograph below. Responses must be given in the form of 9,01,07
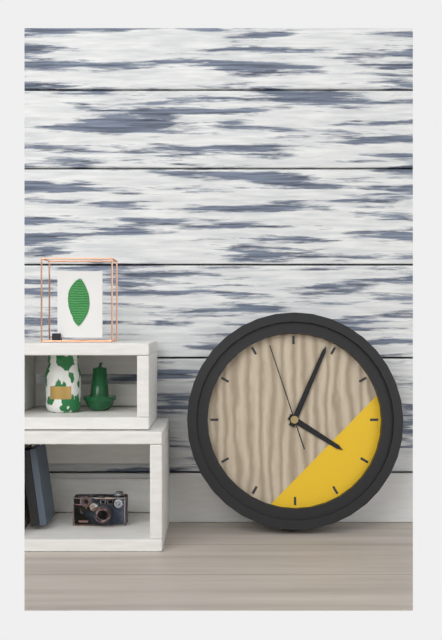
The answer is 4,04,57
